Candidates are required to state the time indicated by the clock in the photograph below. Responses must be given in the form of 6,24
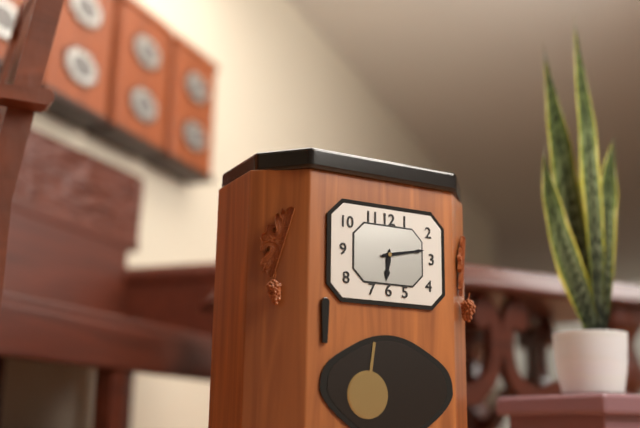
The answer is 6,13
